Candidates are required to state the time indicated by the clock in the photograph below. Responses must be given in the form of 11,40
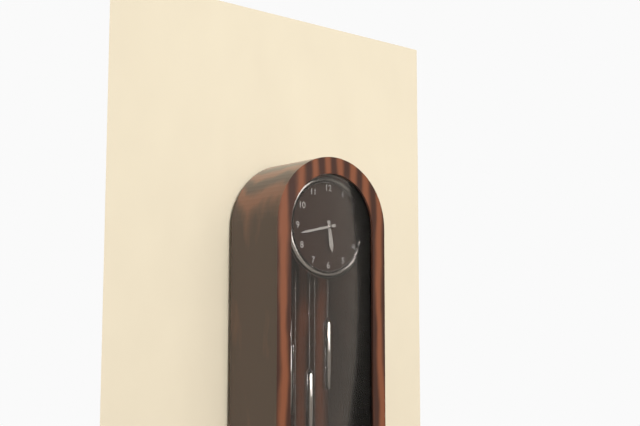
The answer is 5,43
